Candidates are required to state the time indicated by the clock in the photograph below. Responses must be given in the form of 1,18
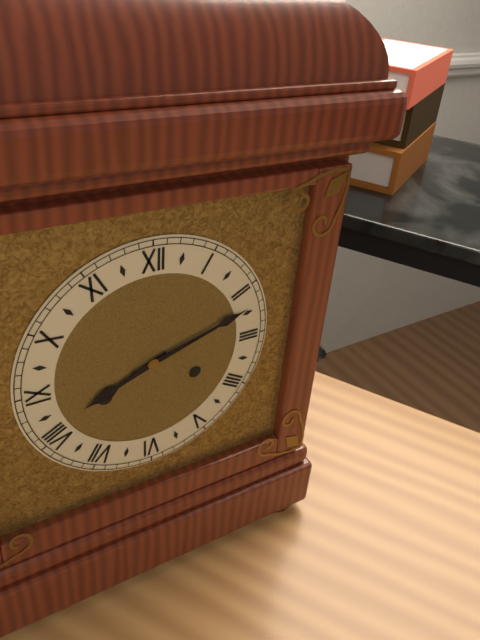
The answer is 8,12
